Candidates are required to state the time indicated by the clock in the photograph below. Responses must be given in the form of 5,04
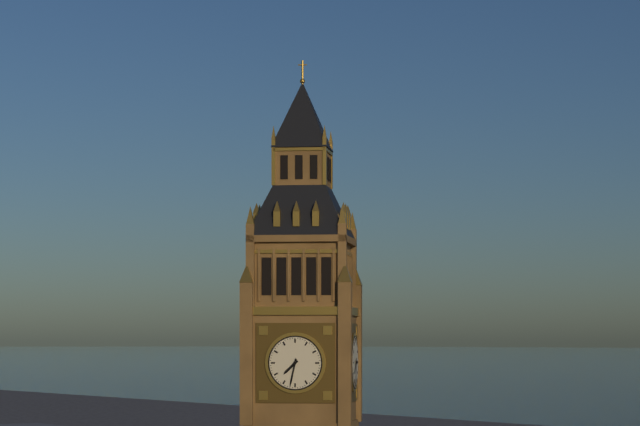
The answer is 7,32
